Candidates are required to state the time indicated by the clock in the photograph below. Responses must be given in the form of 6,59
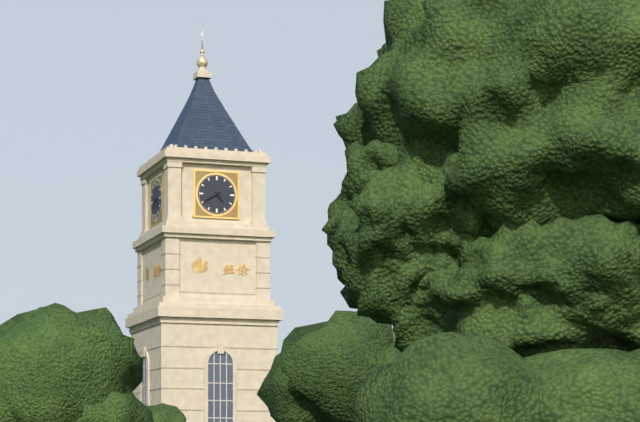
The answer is 4,40
